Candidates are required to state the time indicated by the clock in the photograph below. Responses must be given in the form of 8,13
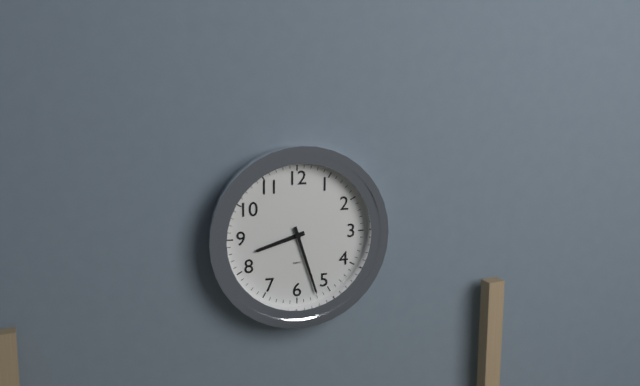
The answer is 8,27
